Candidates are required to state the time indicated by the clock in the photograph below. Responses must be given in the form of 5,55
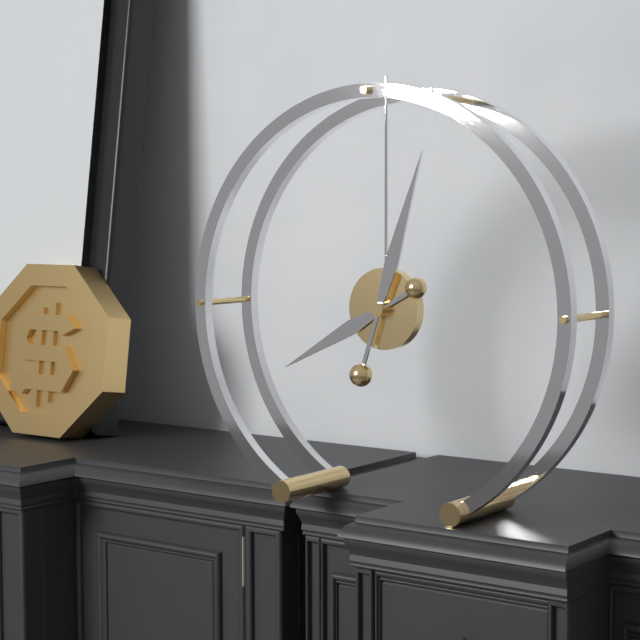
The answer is 8,03
